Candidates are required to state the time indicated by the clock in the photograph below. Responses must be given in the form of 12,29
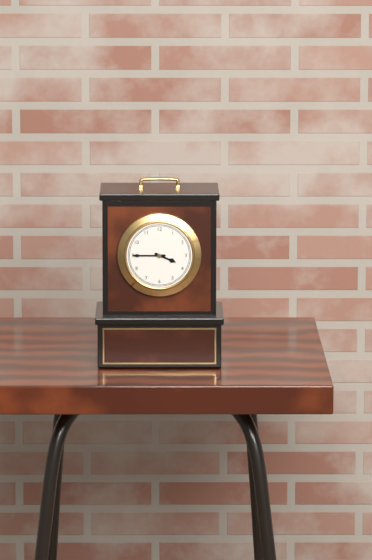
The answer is 3,45
